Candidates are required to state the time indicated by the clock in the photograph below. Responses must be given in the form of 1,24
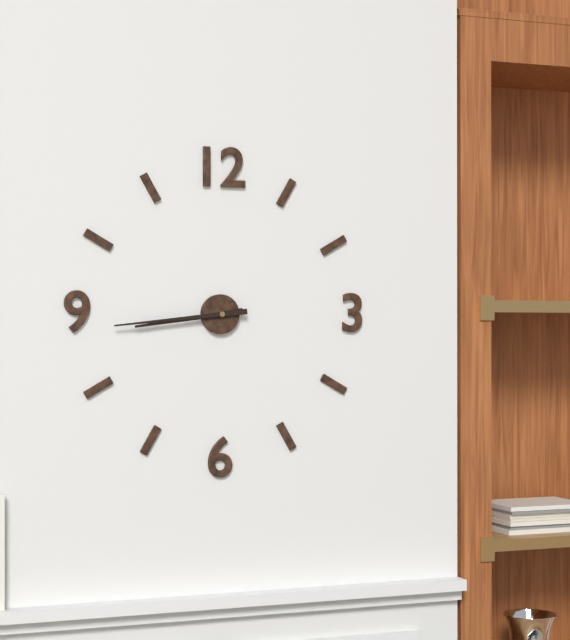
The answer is 8,44
